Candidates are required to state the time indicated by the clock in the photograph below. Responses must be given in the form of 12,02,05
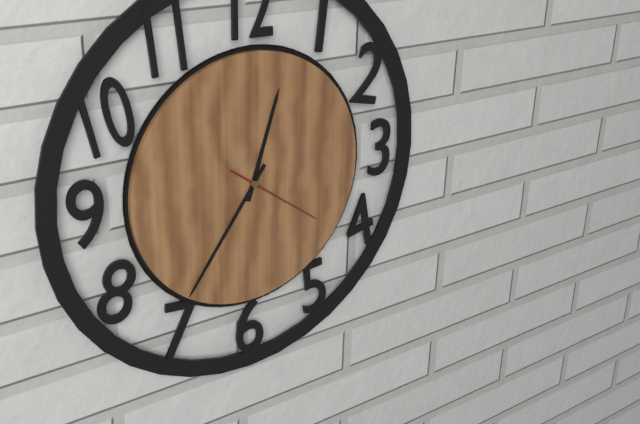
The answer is 12,36,21
